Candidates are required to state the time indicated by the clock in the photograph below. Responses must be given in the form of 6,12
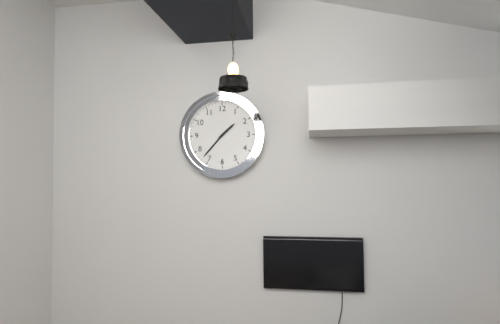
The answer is 1,37
